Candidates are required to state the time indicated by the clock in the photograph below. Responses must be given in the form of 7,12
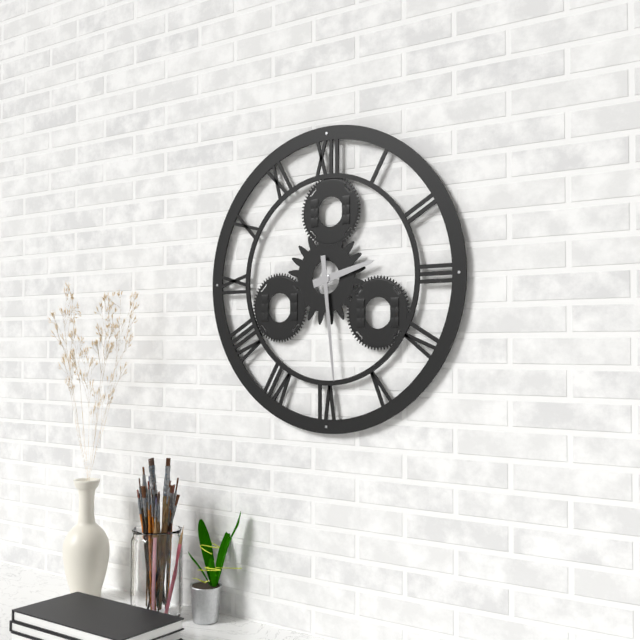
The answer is 2,29
